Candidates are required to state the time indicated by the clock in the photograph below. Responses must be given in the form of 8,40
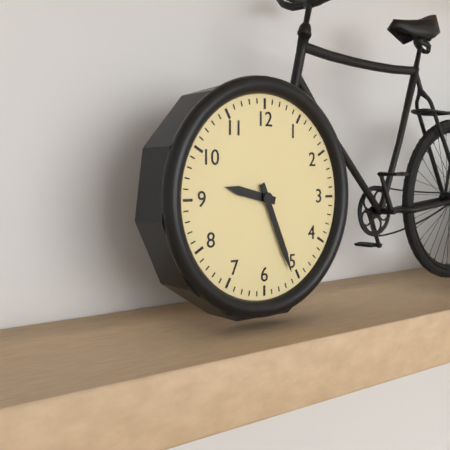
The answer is 9,26
